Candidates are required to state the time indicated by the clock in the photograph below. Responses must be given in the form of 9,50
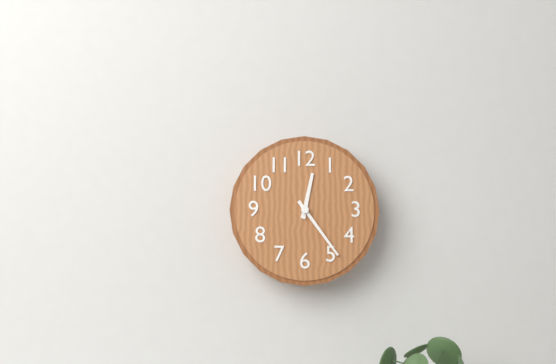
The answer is 12,24
